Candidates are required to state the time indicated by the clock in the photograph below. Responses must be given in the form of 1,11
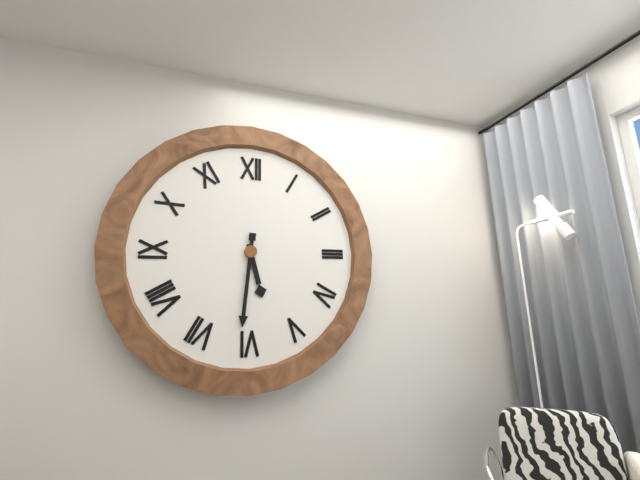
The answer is 5,31
